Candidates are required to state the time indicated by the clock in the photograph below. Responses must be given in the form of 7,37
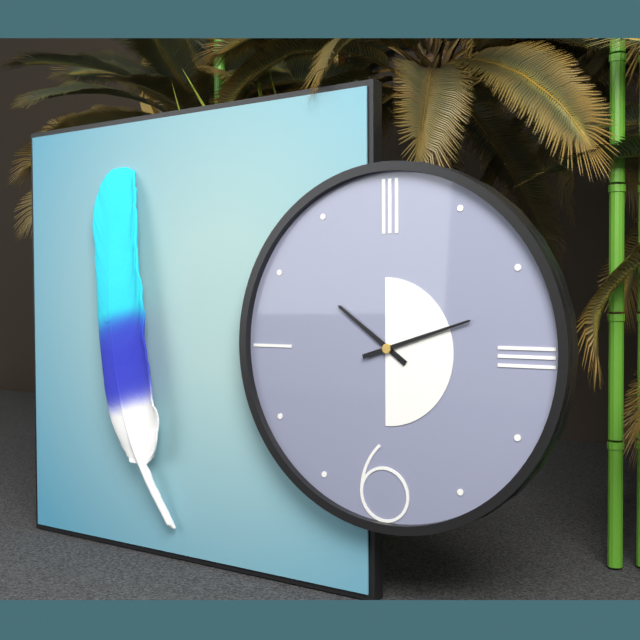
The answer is 10,12
